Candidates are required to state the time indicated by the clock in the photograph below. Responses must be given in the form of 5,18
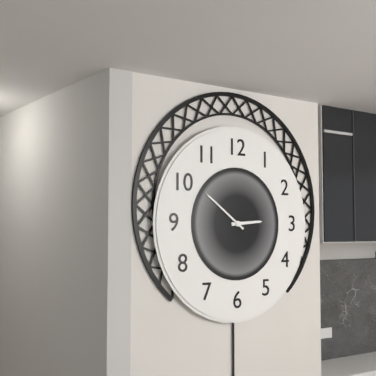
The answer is 2,51
